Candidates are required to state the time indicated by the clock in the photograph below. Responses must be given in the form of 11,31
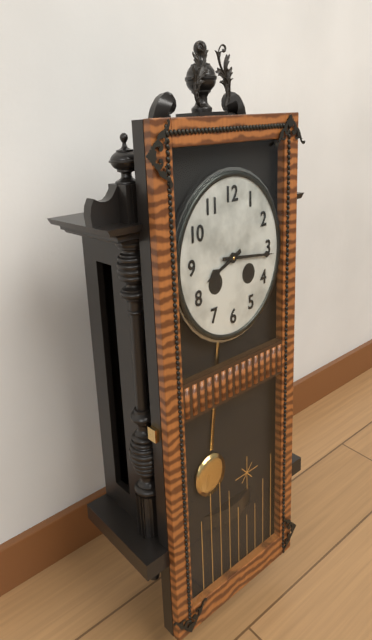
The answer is 8,16
